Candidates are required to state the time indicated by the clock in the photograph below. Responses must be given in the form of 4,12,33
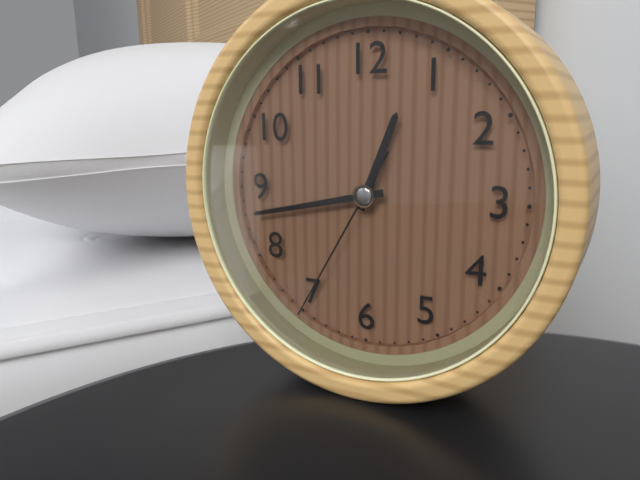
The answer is 12,43,35
